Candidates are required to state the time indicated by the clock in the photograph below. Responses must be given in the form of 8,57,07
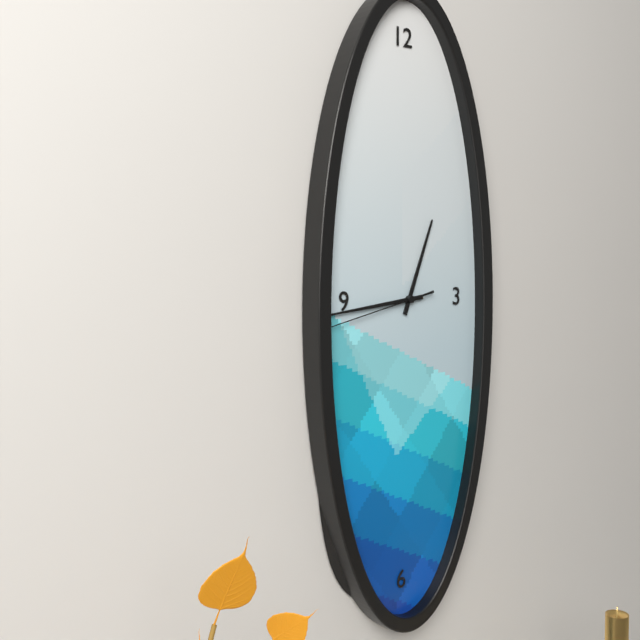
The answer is 12,44,43
